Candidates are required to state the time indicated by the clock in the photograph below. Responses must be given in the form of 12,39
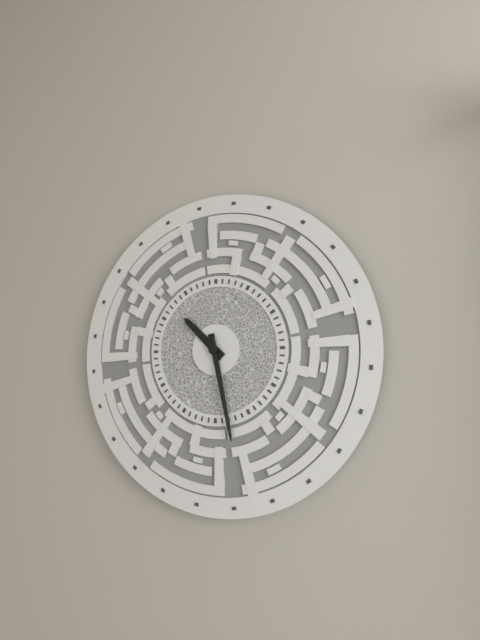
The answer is 10,28
